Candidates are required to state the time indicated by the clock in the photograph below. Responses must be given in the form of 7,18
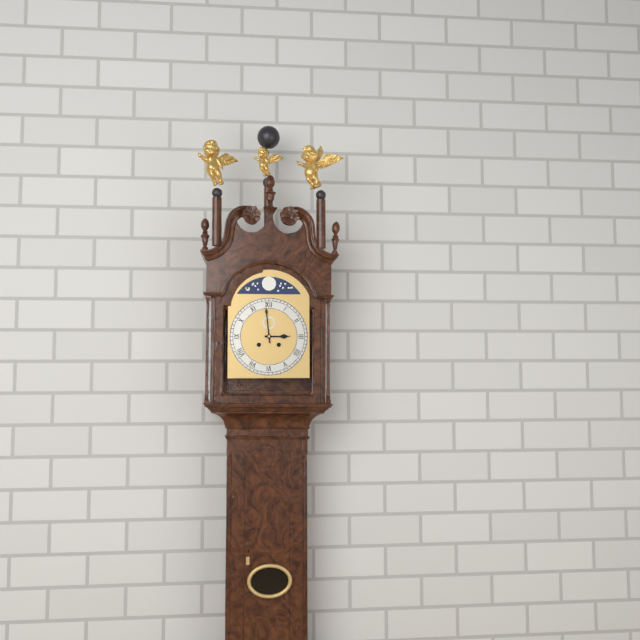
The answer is 2,59
